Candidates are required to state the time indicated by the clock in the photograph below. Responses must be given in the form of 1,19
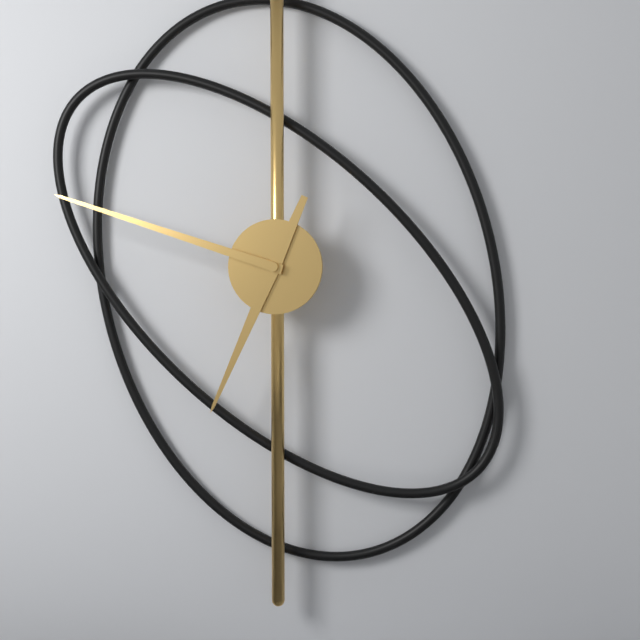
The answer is 6,48
